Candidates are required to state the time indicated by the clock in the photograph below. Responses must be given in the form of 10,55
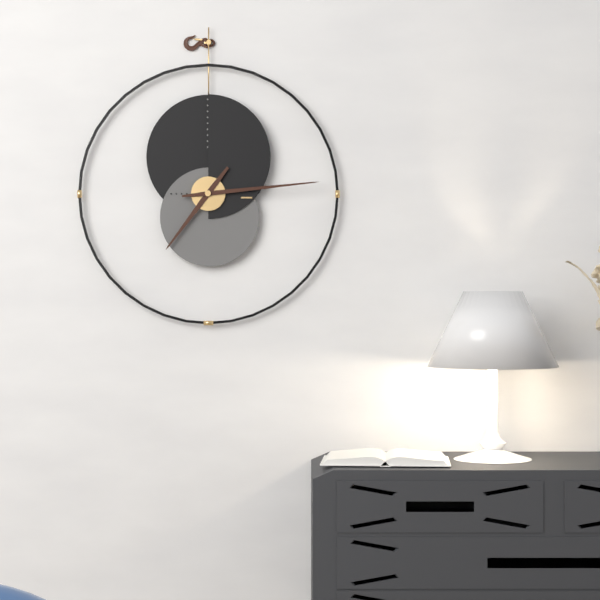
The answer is 7,14
